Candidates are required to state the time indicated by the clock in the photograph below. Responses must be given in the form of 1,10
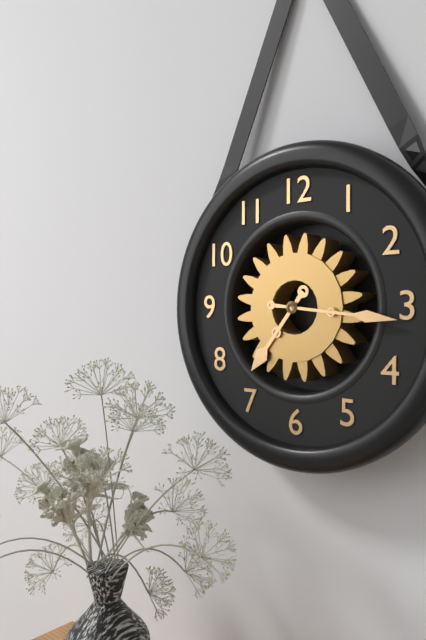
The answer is 7,16
